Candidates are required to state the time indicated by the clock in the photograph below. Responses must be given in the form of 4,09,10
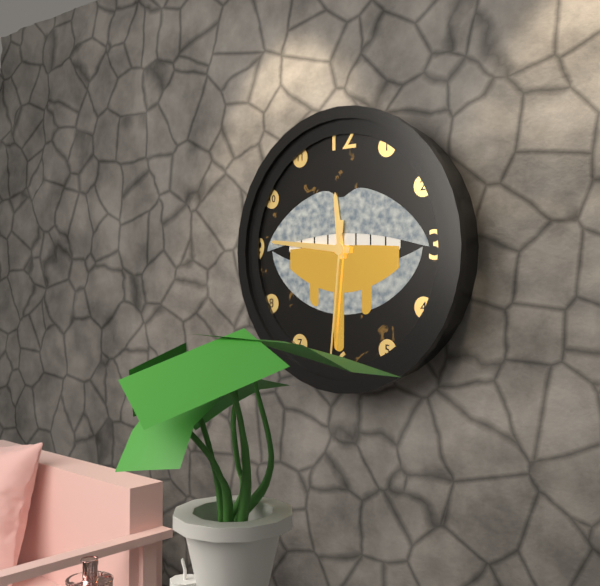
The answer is 11,46,31
